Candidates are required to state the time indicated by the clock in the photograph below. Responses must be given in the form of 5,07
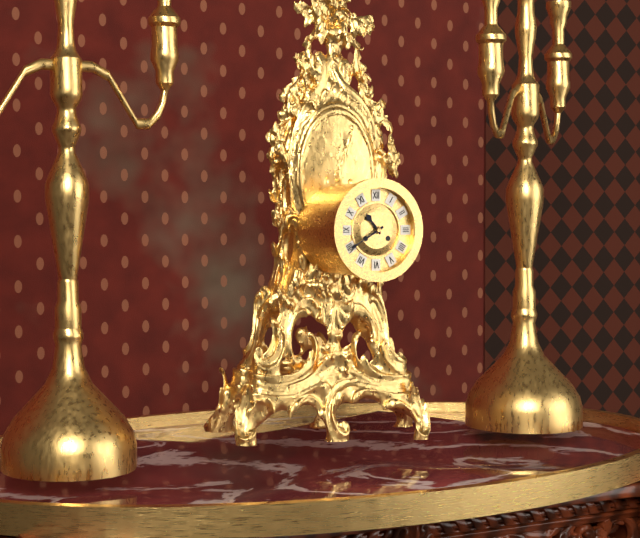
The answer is 10,40
